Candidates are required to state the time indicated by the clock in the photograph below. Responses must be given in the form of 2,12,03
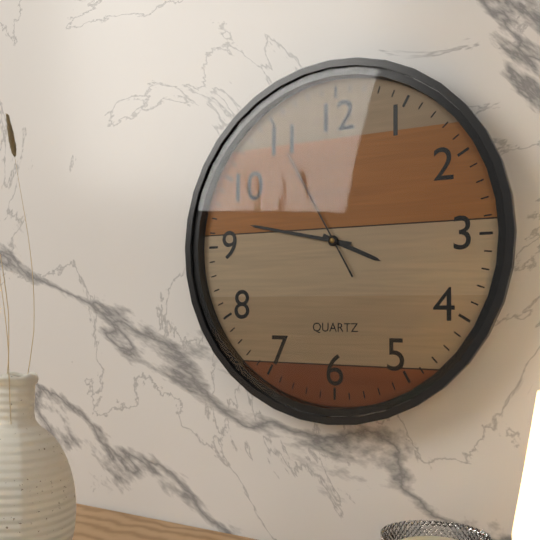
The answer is 3,47,55
